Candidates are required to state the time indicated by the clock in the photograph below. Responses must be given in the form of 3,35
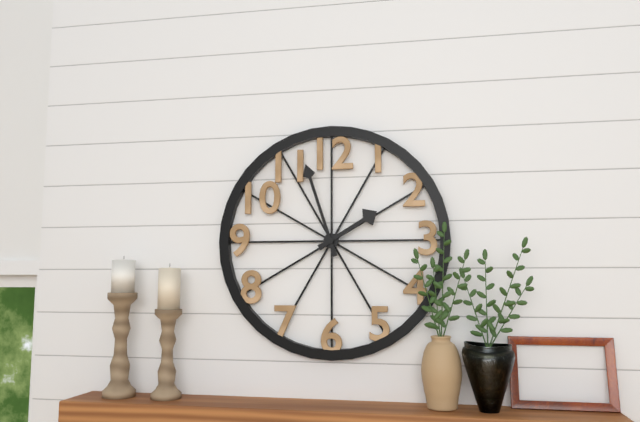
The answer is 1,57
